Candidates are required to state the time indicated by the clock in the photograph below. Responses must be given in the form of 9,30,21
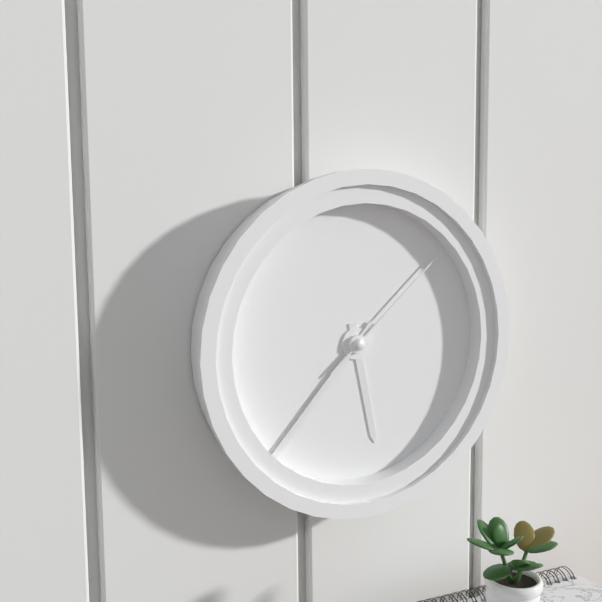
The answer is 5,37,08
